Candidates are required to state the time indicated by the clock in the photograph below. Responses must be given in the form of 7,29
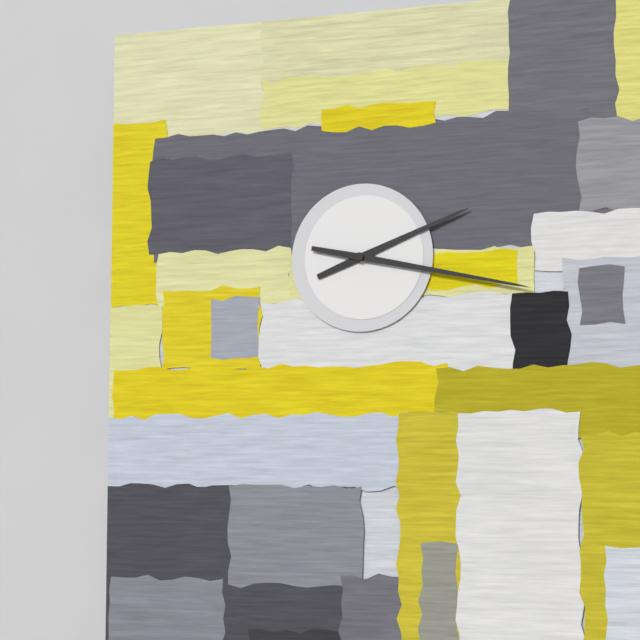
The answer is 2,17
